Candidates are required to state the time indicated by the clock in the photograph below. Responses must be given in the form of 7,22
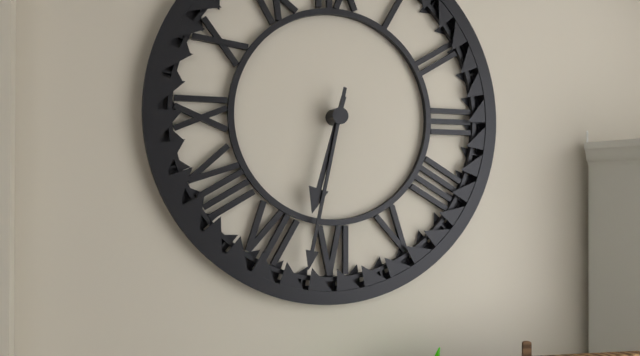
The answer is 6,32
